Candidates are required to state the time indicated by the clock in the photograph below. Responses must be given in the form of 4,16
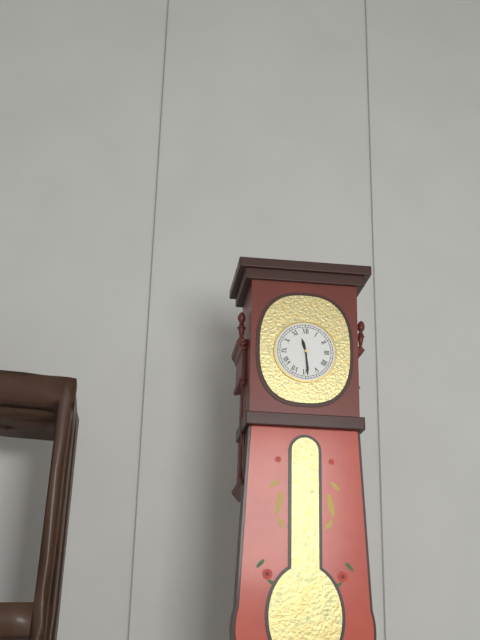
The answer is 11,29
